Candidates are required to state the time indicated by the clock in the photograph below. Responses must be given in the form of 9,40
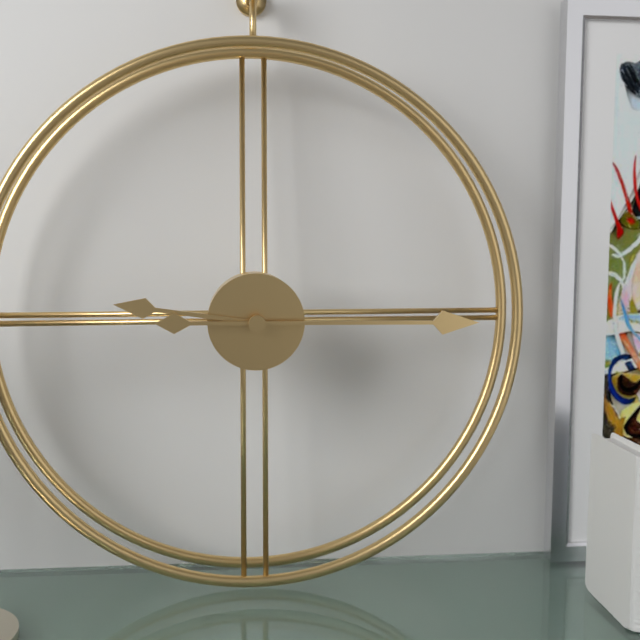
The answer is 9,15
